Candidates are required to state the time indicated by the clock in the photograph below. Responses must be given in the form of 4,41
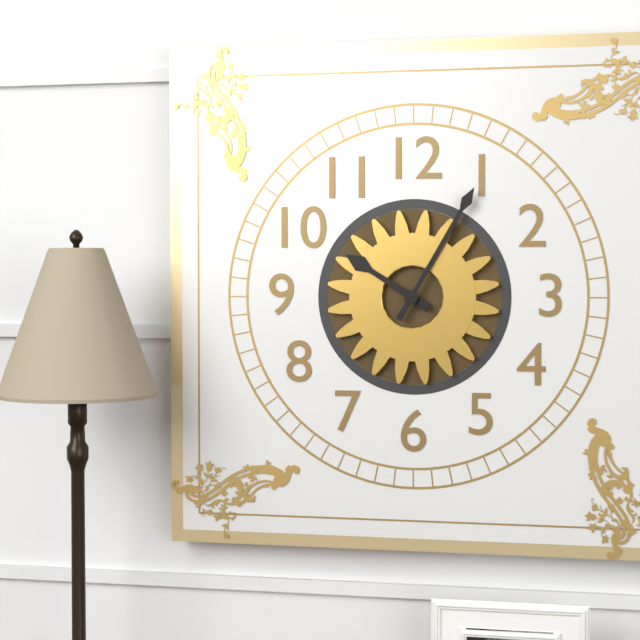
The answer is 10,05
